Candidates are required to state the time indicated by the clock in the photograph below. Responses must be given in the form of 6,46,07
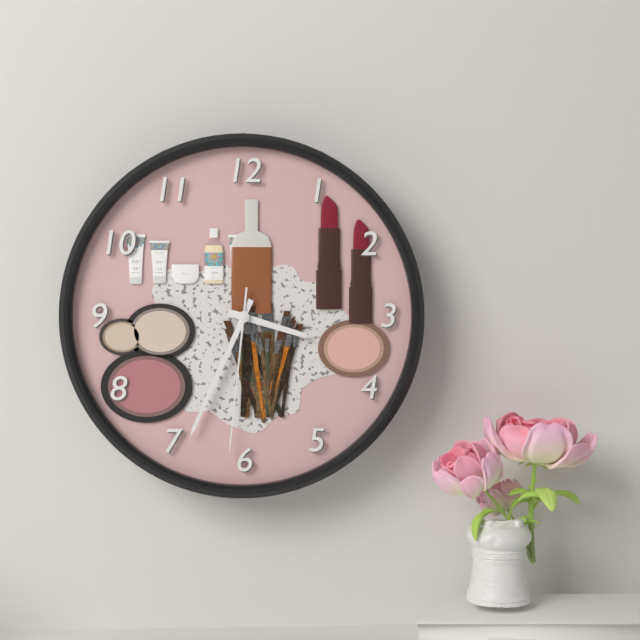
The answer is 3,34,31
